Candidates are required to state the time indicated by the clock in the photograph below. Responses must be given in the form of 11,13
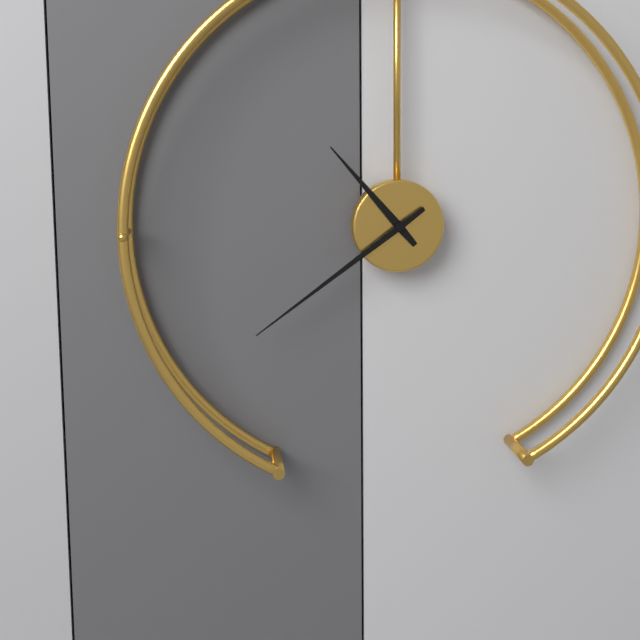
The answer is 10,39
